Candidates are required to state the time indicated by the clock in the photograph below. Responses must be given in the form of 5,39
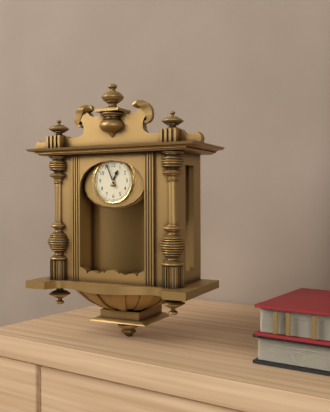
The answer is 12,56
